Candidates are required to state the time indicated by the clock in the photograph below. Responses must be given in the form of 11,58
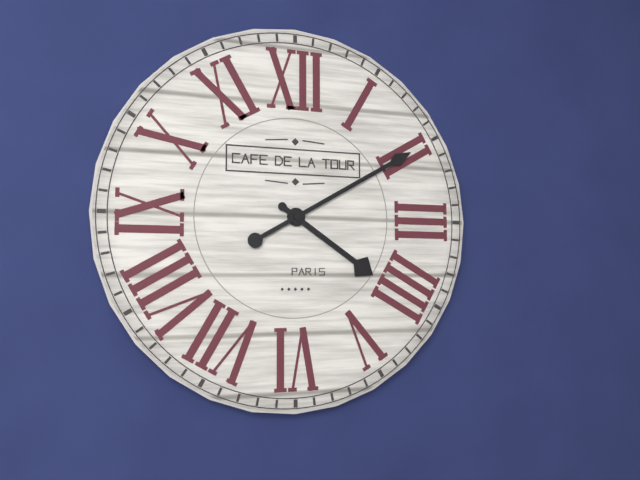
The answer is 4,10
